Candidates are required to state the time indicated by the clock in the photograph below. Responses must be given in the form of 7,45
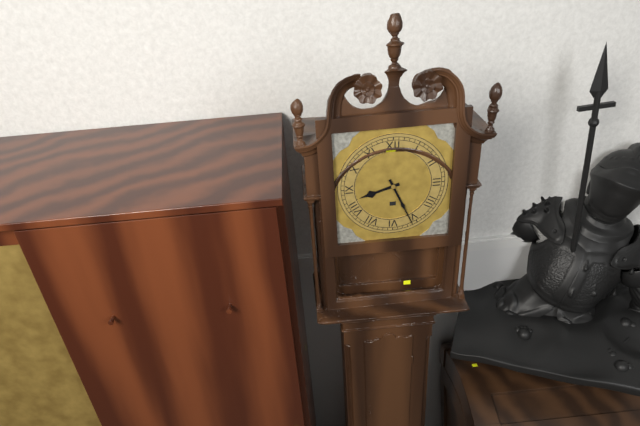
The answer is 8,26
